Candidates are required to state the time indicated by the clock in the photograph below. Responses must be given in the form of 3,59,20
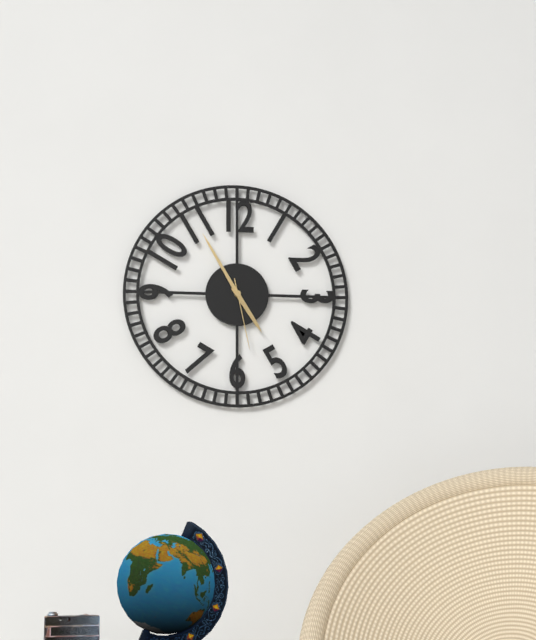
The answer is 4,55,28
